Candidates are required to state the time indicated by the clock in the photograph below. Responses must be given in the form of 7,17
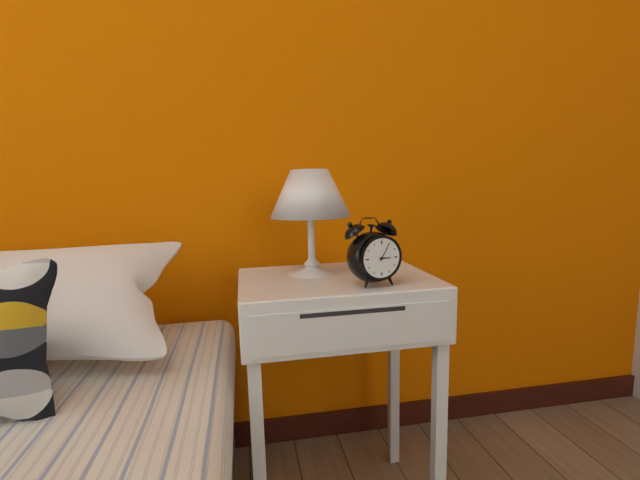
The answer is 3,05
